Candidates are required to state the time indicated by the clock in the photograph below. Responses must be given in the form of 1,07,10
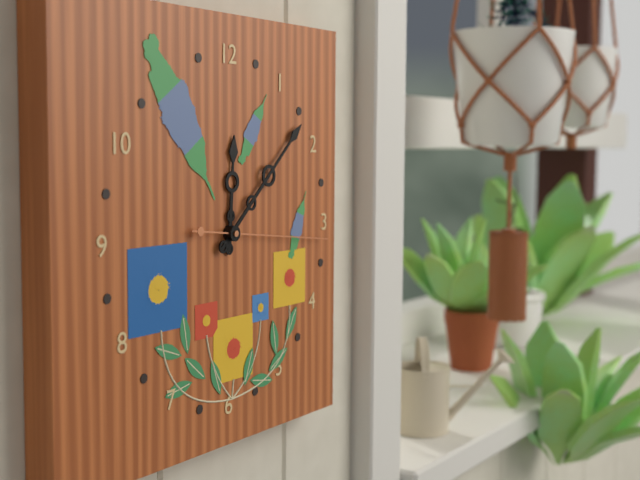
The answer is 12,08,16
